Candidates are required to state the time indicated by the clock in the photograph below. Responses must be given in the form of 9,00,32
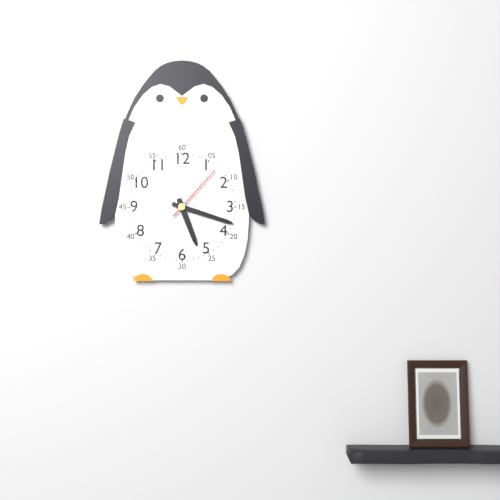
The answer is 5,18,07
